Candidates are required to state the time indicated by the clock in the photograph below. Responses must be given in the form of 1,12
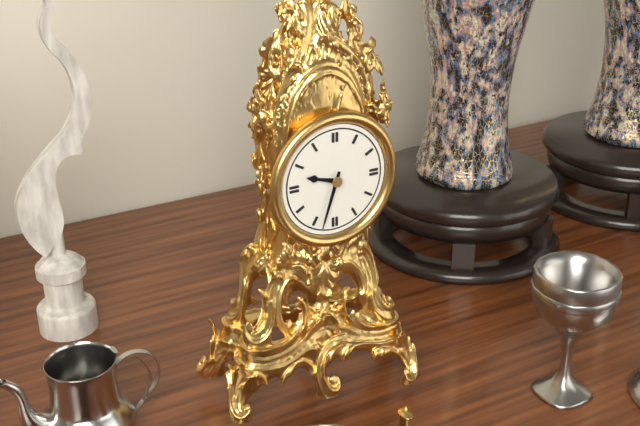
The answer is 9,33
